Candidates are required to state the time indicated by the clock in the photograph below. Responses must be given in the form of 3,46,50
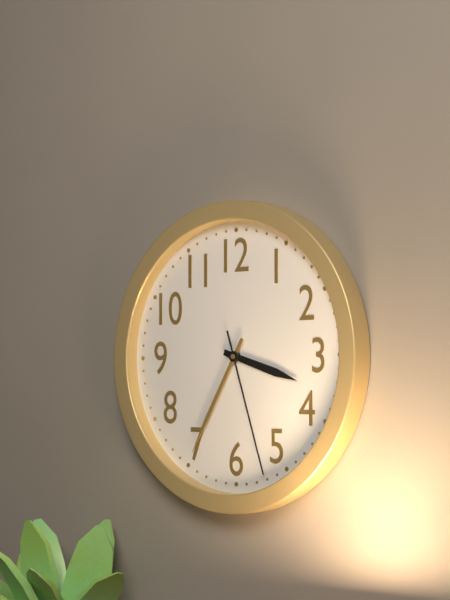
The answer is 3,35,27
